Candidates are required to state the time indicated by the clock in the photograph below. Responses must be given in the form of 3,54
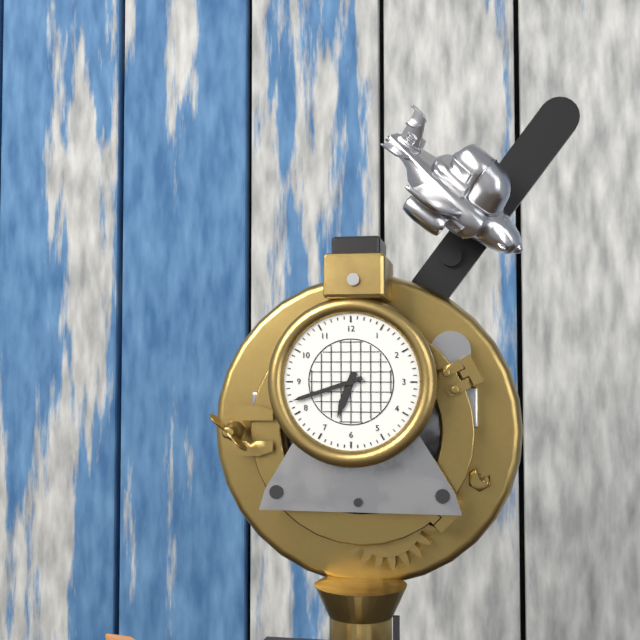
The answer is 6,42
